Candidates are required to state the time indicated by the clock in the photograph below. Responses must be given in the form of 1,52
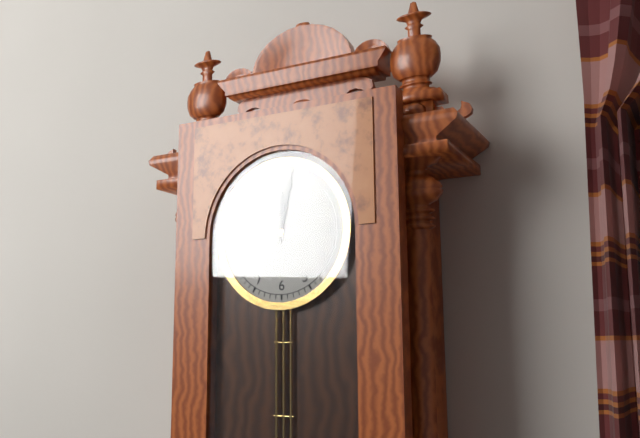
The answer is 12,02
